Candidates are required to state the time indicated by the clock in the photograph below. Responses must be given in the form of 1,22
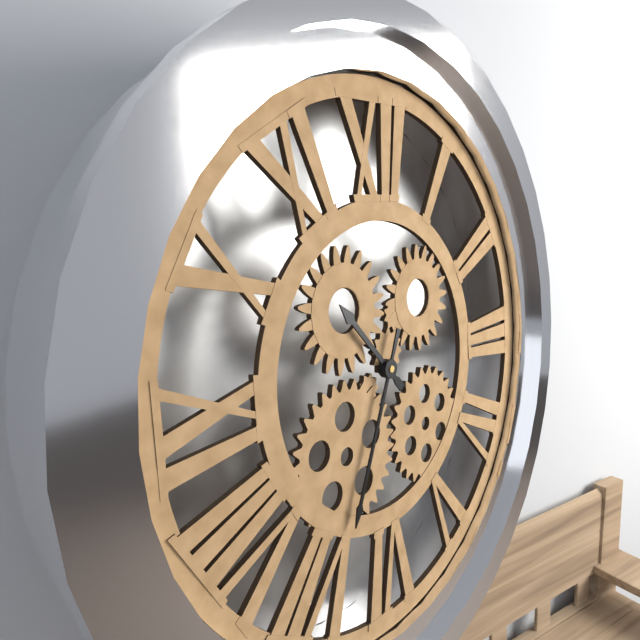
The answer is 10,34
